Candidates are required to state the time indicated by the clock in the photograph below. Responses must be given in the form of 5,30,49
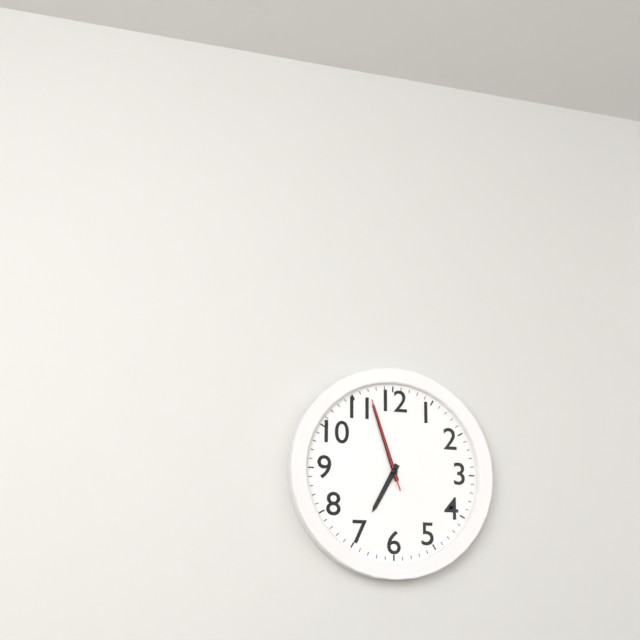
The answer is 6,57,57
